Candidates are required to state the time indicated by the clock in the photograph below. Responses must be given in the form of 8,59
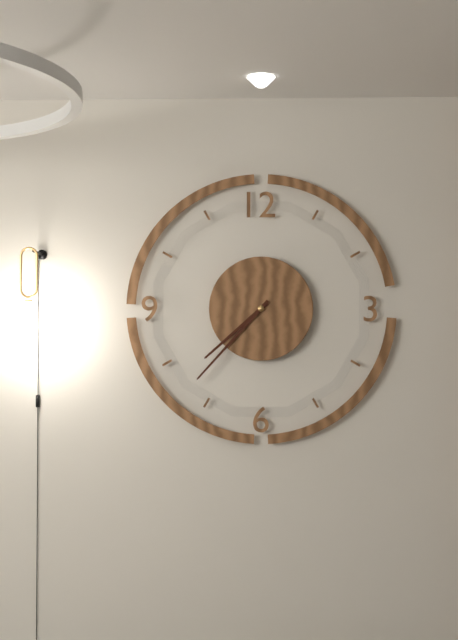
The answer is 7,37
